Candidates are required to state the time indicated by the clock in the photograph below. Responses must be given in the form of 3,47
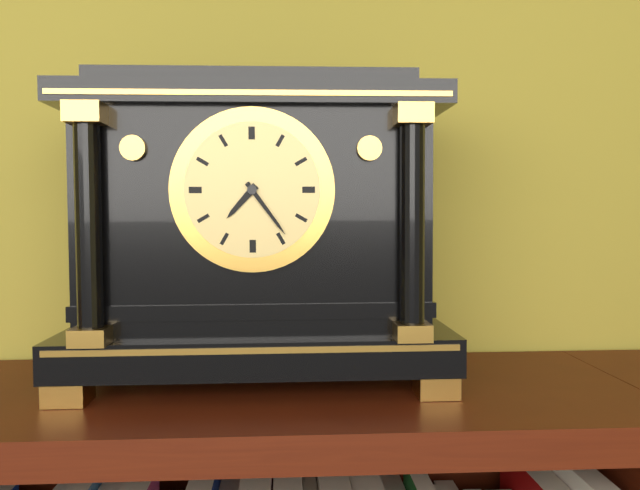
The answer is 7,24
